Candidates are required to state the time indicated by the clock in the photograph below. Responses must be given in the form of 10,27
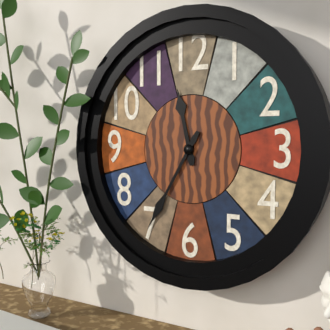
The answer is 11,35
